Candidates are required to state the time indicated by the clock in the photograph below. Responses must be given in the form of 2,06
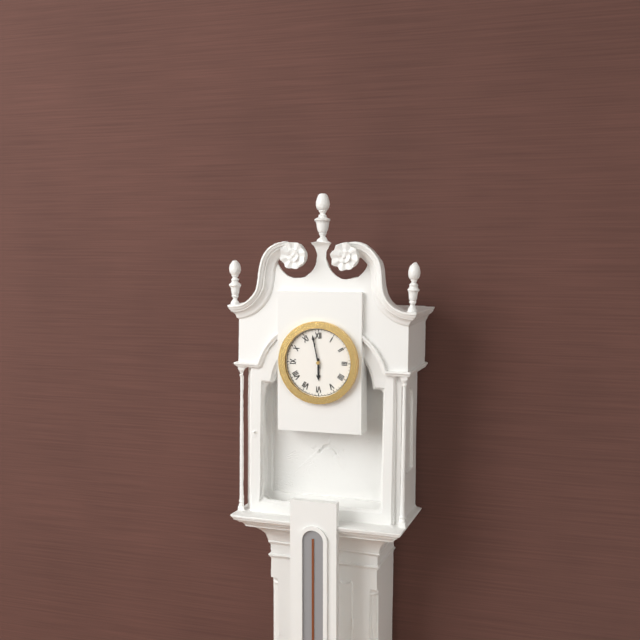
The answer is 5,58
